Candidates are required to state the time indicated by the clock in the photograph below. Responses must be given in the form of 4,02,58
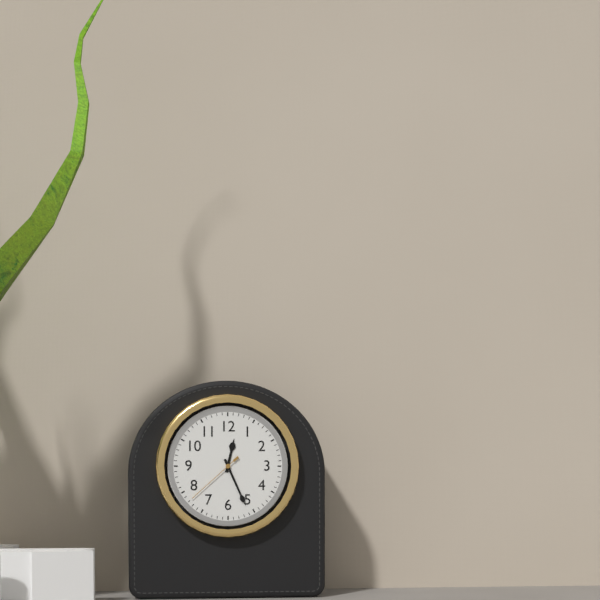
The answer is 12,26,38
